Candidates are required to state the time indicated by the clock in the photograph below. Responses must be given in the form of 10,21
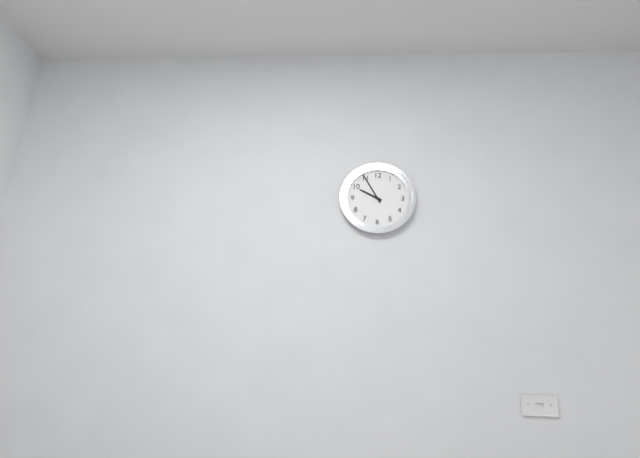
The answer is 9,55
